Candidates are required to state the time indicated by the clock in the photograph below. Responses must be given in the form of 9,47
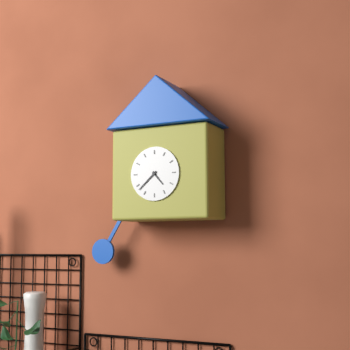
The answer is 4,38
